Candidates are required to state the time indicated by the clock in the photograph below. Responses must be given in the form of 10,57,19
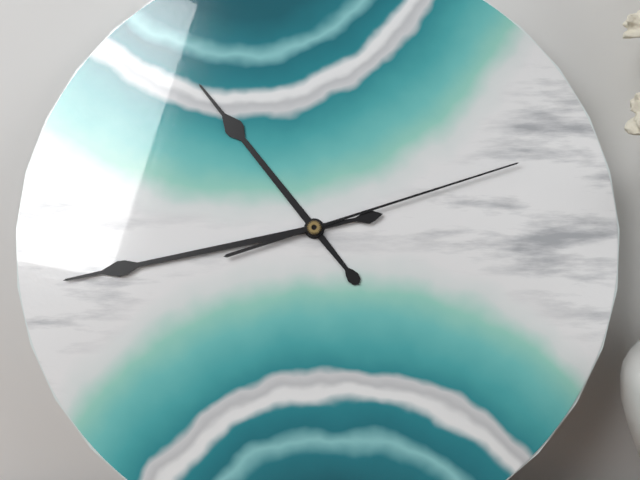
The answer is 10,43,12
